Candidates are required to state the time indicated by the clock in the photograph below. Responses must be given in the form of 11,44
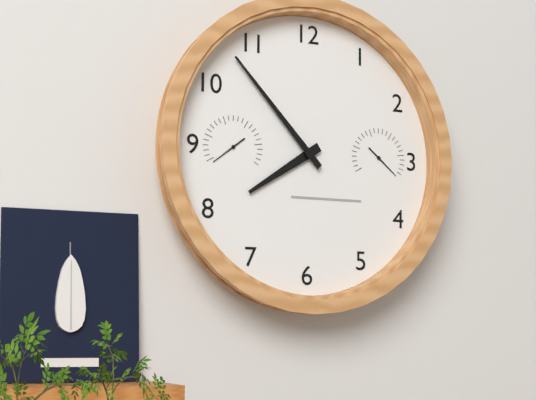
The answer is 7,53
